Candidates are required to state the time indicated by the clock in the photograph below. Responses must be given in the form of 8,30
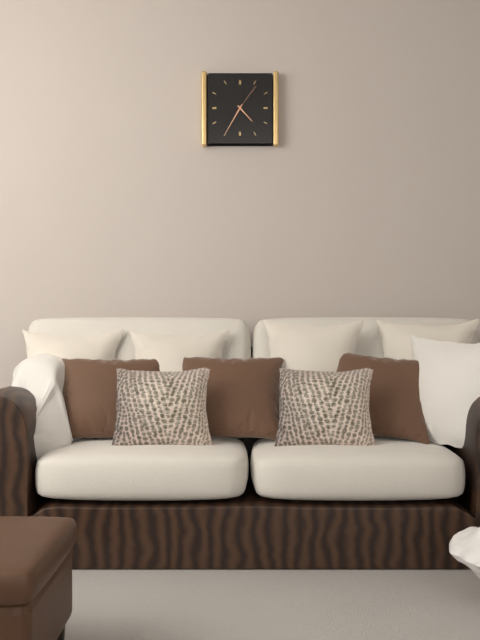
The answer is 4,35
